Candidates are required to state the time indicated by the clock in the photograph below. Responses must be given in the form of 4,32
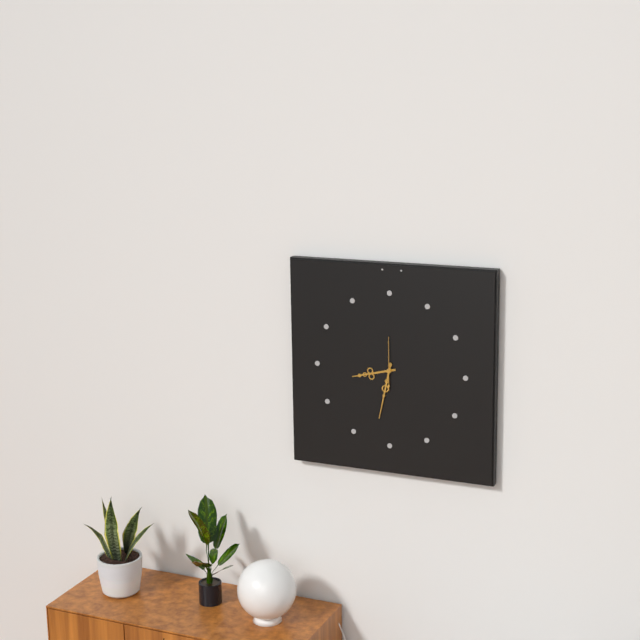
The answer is 8,32
